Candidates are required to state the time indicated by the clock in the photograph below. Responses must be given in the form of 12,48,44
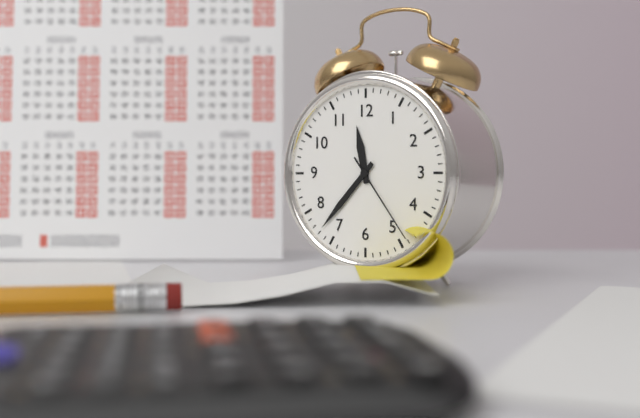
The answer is 11,37,24
